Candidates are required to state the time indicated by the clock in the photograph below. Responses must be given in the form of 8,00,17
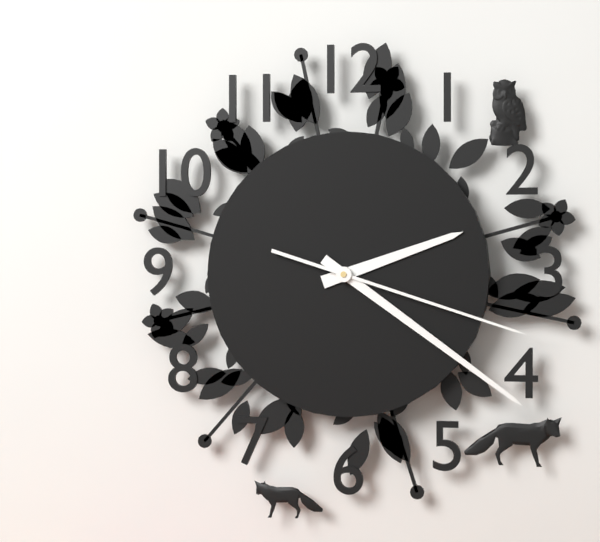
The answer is 2,21,18
